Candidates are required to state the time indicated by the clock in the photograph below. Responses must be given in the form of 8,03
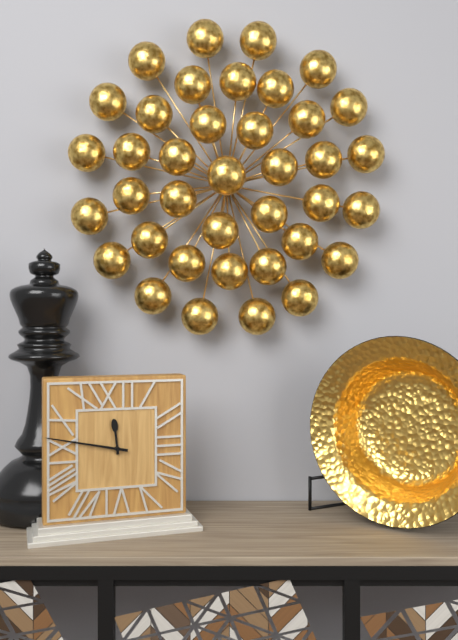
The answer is 11,47
